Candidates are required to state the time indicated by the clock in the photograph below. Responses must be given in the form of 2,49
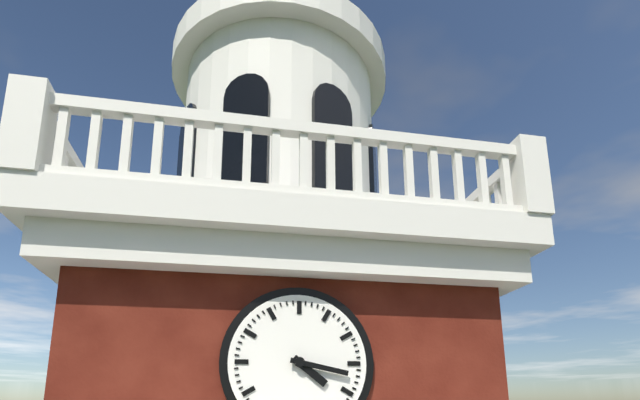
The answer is 4,17
